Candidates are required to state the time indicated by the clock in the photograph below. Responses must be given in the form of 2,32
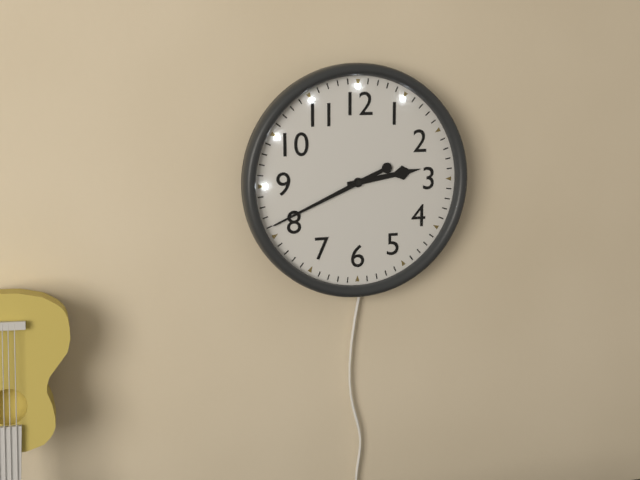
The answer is 2,41
